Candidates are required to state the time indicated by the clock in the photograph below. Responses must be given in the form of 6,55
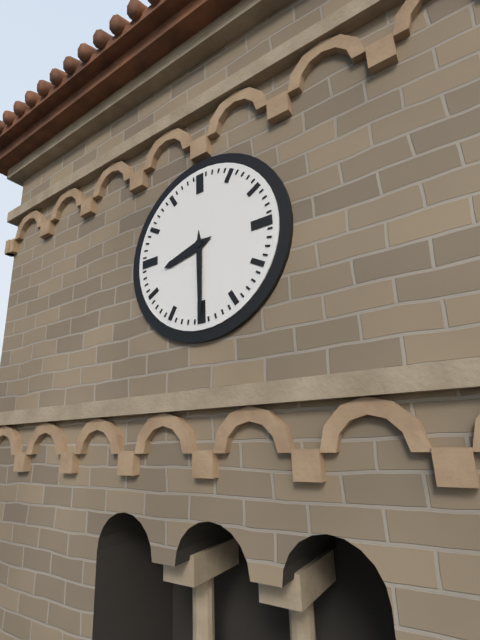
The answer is 8,30
